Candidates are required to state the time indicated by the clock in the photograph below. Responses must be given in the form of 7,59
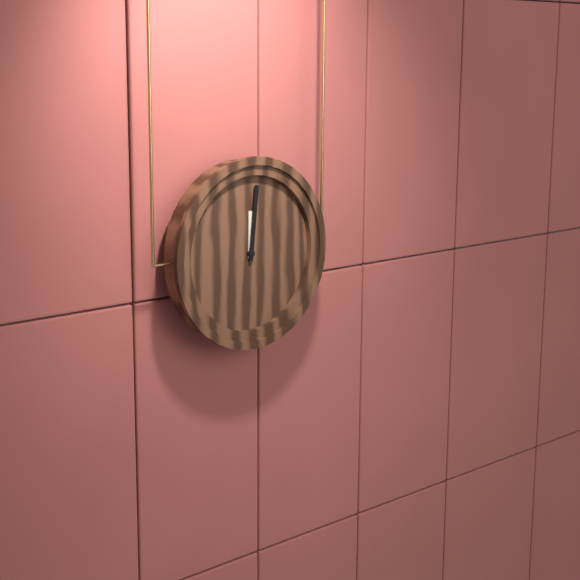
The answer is 12,01
